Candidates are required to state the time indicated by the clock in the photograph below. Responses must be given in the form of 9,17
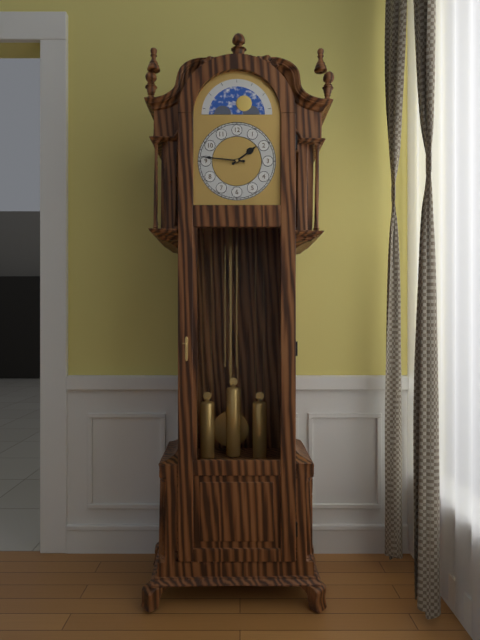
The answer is 1,46
